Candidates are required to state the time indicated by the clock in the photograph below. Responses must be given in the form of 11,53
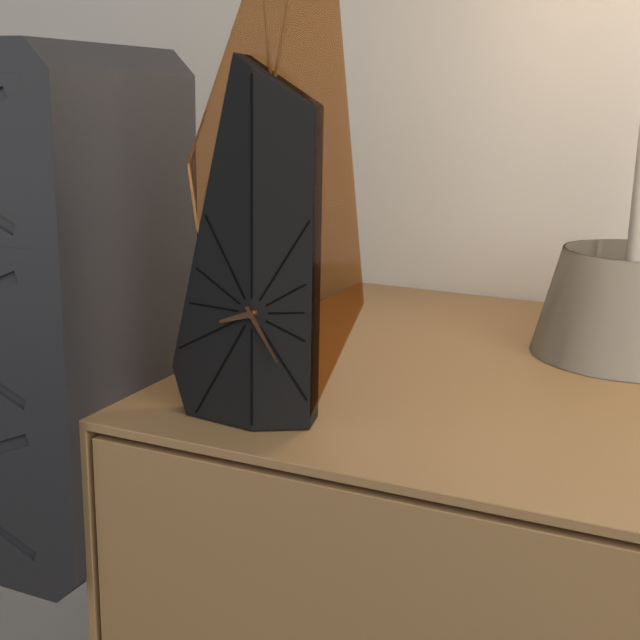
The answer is 8,25
